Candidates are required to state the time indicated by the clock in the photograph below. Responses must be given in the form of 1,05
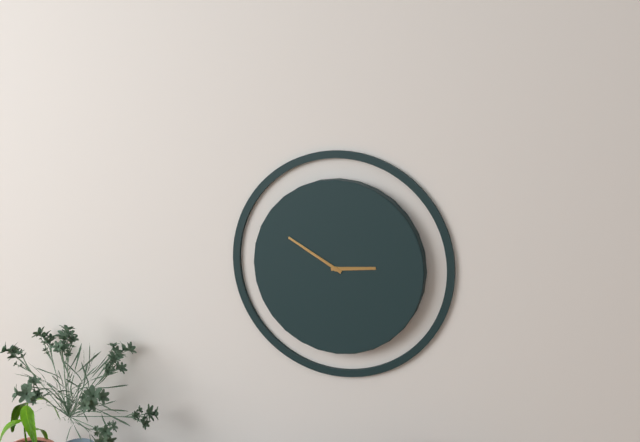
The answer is 2,50
